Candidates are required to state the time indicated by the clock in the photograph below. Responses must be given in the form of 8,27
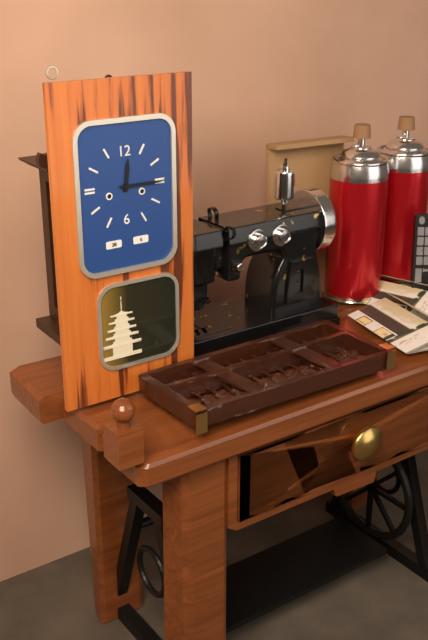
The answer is 12,15
